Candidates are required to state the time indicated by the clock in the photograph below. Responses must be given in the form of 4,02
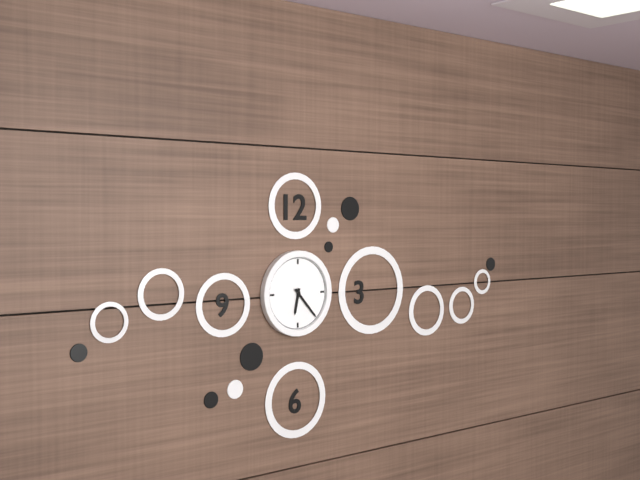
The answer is 6,23
